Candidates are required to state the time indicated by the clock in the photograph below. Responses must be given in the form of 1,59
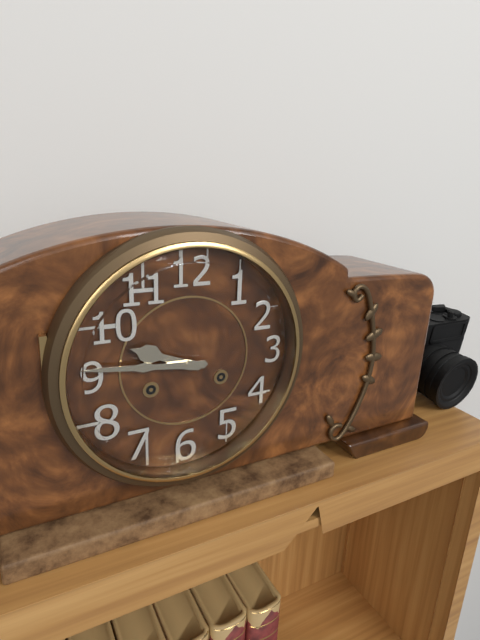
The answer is 9,46
